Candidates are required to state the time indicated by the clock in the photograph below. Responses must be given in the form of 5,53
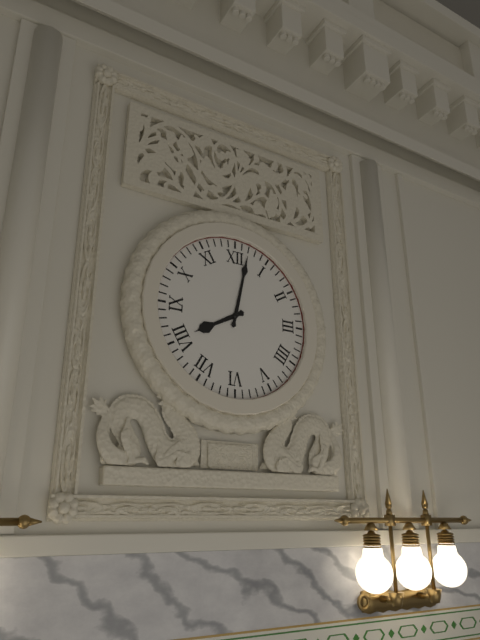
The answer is 8,02
